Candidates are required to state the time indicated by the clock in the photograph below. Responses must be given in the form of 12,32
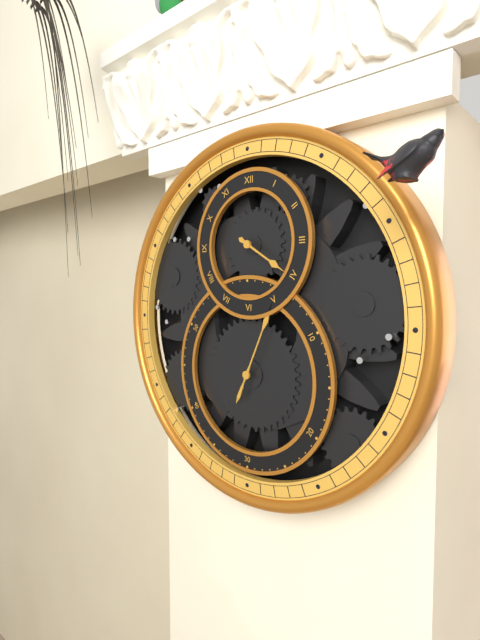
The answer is 4,04
